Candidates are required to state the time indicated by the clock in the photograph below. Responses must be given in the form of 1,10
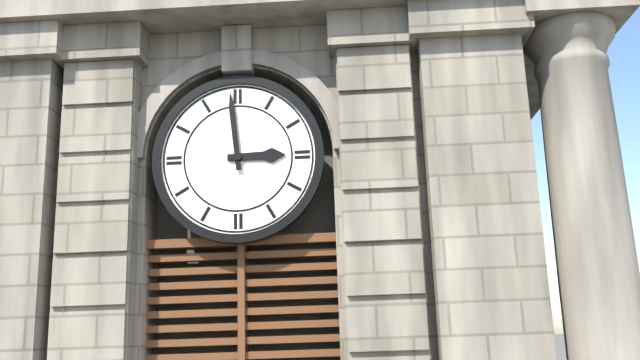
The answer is 2,59
